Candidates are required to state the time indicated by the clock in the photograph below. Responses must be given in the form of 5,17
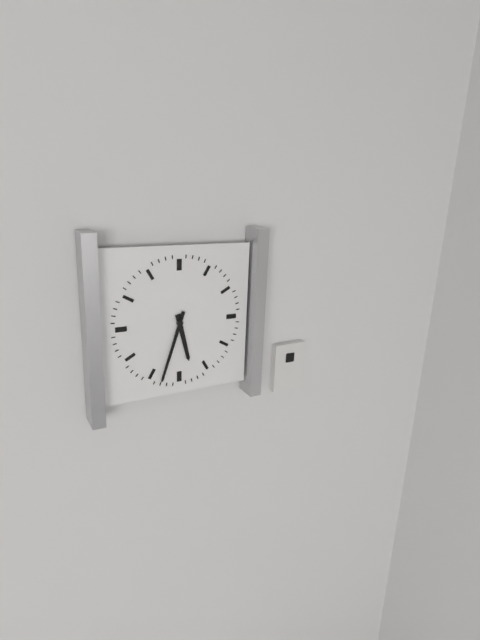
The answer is 5,33
